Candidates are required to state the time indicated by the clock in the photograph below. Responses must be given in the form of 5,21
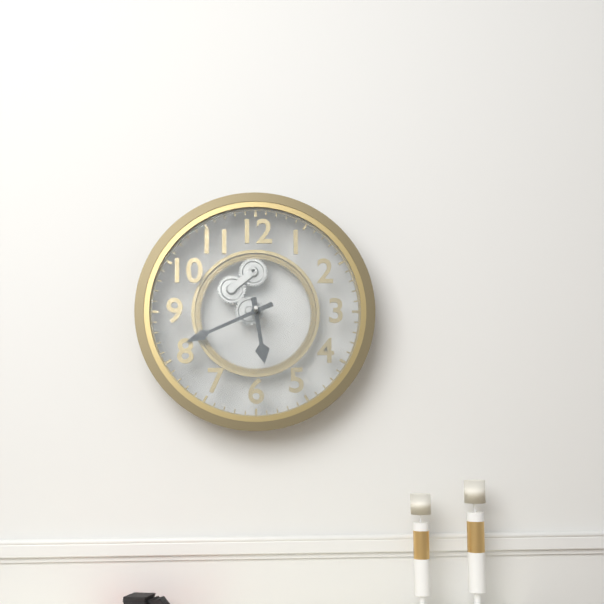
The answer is 5,41
